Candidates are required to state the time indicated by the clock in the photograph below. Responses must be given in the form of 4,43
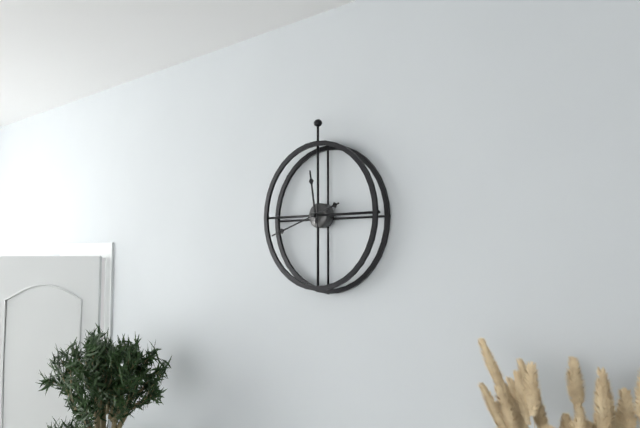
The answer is 11,42
